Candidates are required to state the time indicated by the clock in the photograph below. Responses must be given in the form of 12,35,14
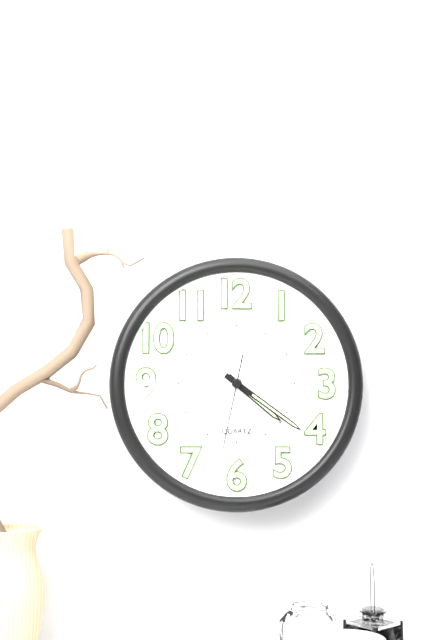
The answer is 4,21,32
